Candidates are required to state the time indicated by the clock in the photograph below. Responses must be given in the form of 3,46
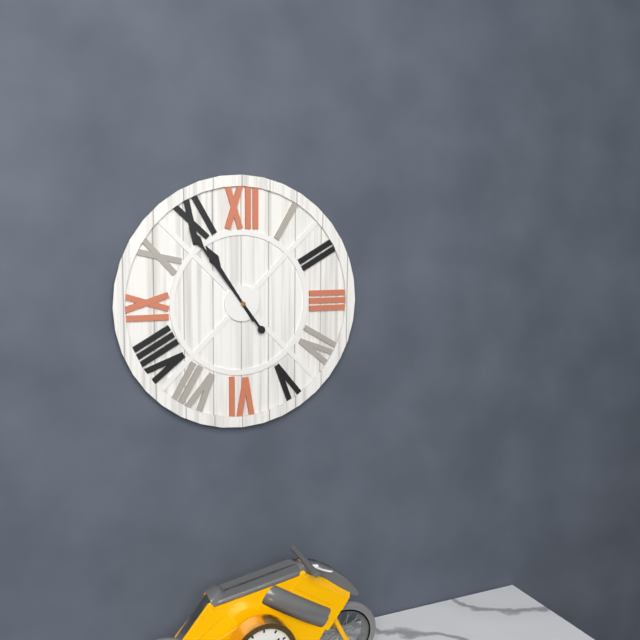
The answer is 10,54
